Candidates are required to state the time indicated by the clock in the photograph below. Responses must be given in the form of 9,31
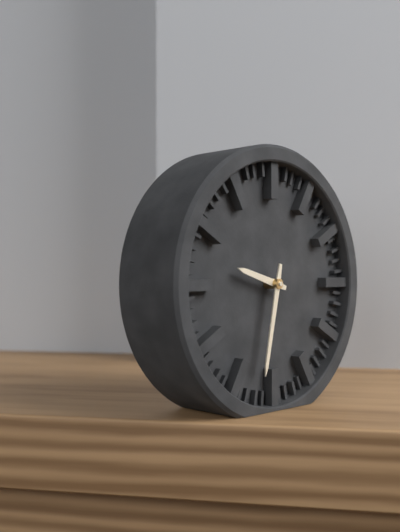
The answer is 9,32
